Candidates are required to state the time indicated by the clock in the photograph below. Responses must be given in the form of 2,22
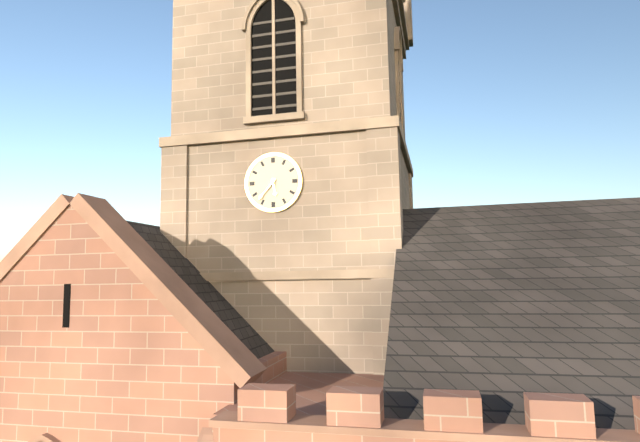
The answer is 5,37
